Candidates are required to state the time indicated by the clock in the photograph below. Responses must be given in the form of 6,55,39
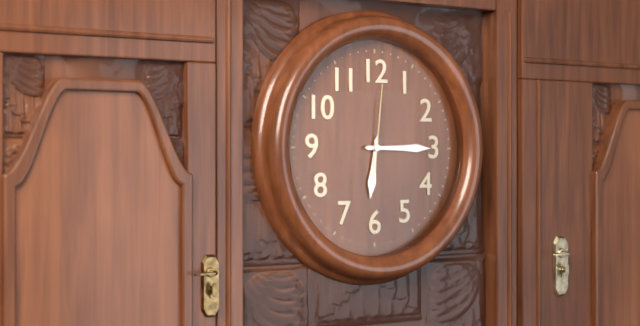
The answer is 6,15,01
